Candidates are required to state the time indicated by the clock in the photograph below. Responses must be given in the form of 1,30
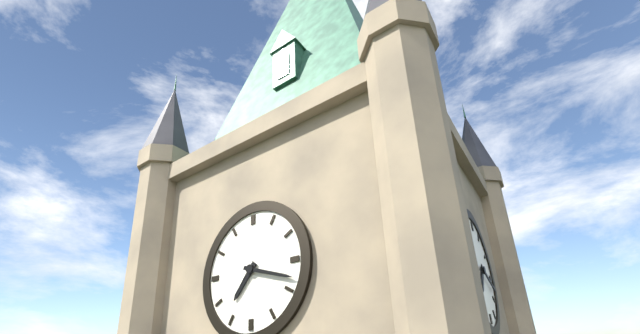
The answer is 7,18
